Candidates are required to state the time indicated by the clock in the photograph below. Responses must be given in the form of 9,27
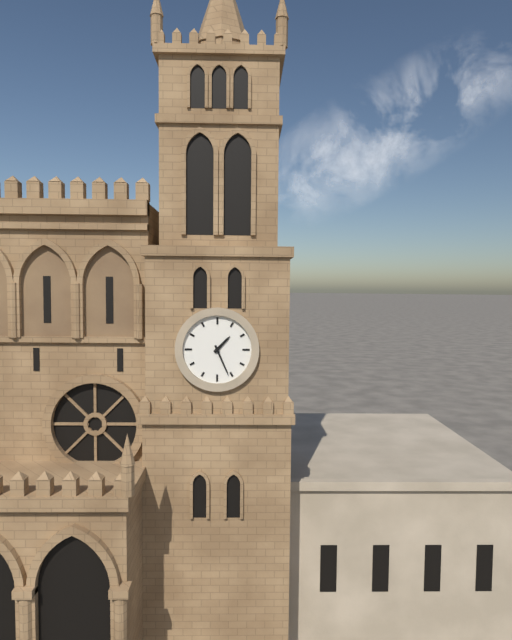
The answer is 1,26
